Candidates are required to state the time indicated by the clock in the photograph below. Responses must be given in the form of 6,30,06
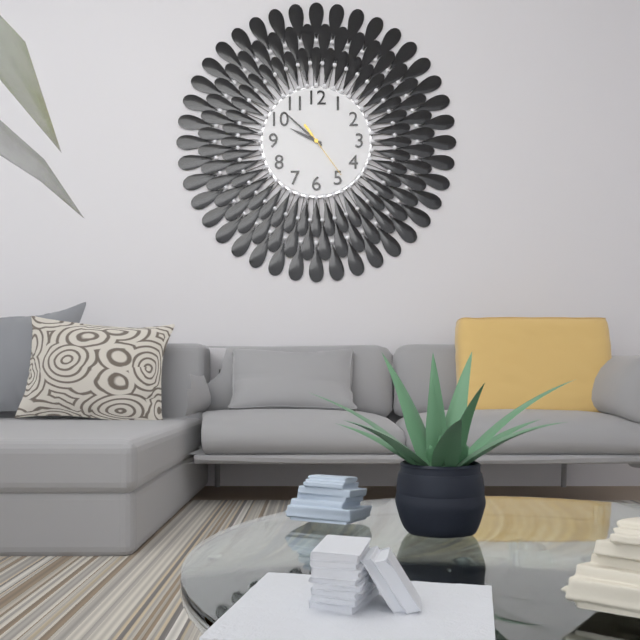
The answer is 9,52,24
